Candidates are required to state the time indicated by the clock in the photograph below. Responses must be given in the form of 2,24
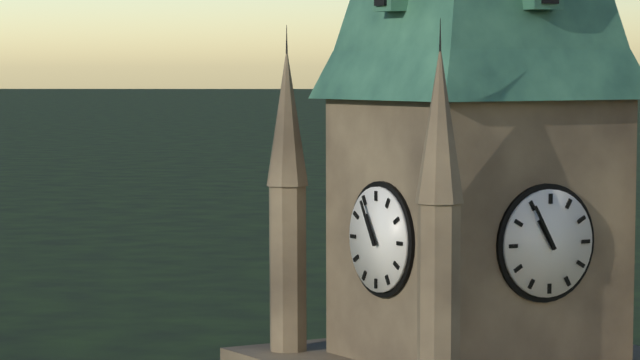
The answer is 10,55
